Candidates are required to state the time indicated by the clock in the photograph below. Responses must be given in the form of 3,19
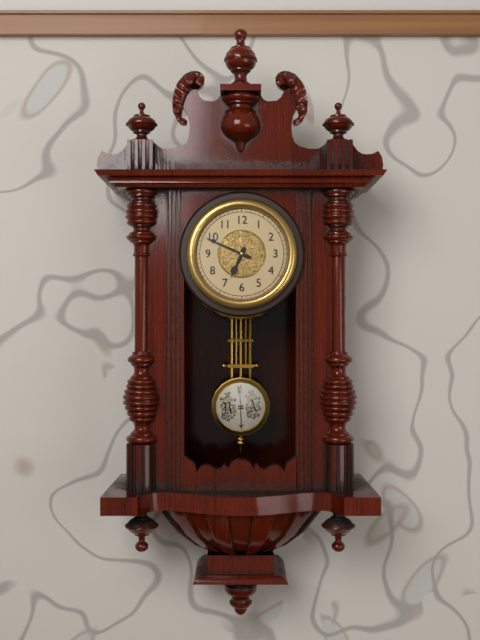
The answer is 6,49
